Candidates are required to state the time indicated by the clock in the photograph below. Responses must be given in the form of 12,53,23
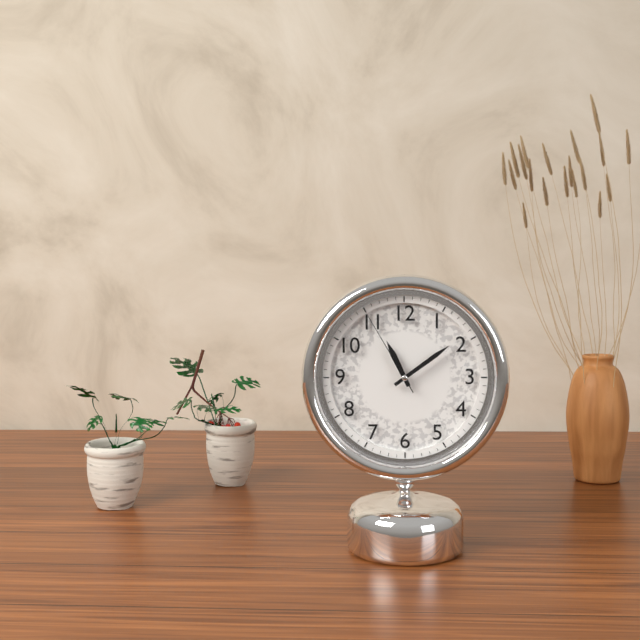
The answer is 11,09,55
